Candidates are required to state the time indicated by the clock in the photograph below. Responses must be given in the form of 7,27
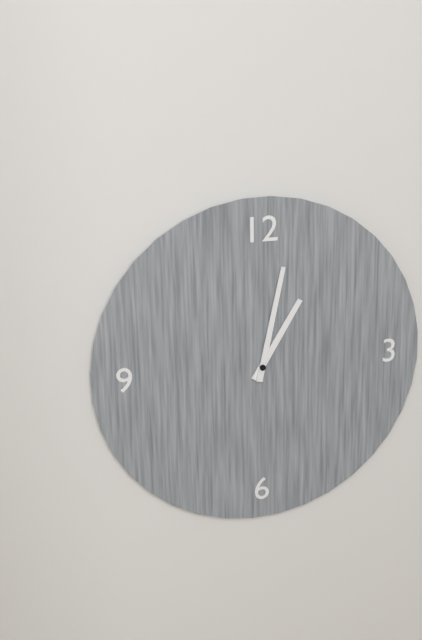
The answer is 1,02
